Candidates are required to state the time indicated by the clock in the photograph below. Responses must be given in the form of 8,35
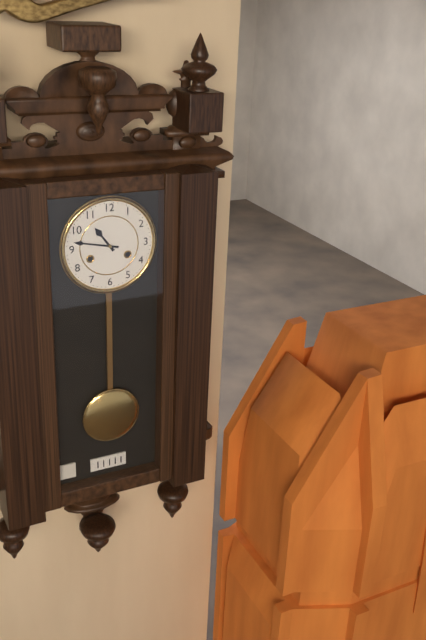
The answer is 10,47
